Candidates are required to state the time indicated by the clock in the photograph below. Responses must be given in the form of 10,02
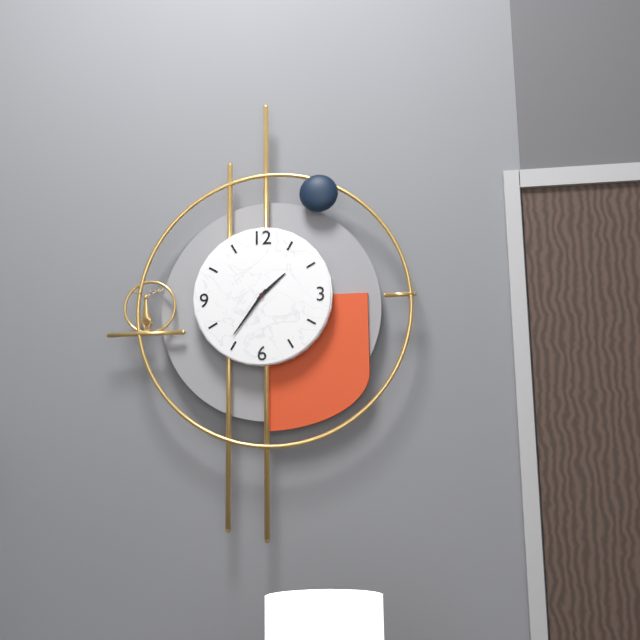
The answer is 1,36
